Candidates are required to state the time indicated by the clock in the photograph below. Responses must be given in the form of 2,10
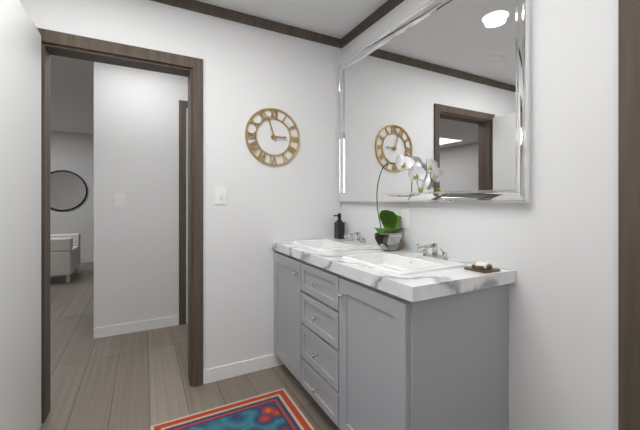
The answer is 2,57
